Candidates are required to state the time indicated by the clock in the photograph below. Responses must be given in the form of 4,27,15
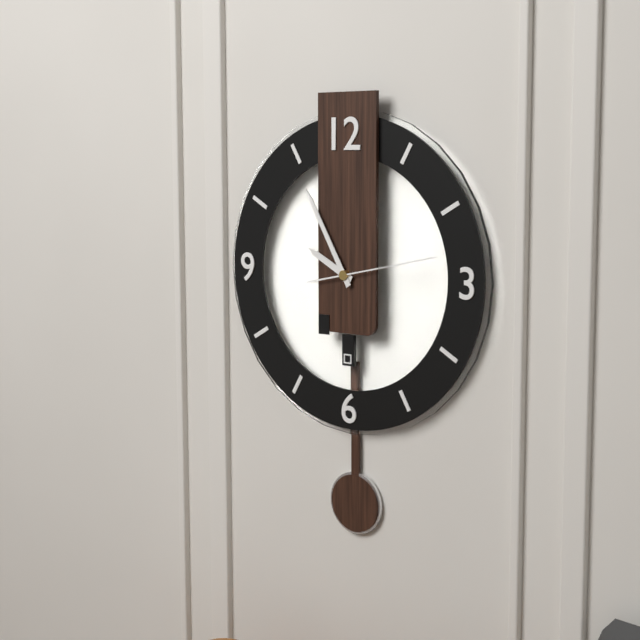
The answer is 9,55,13
